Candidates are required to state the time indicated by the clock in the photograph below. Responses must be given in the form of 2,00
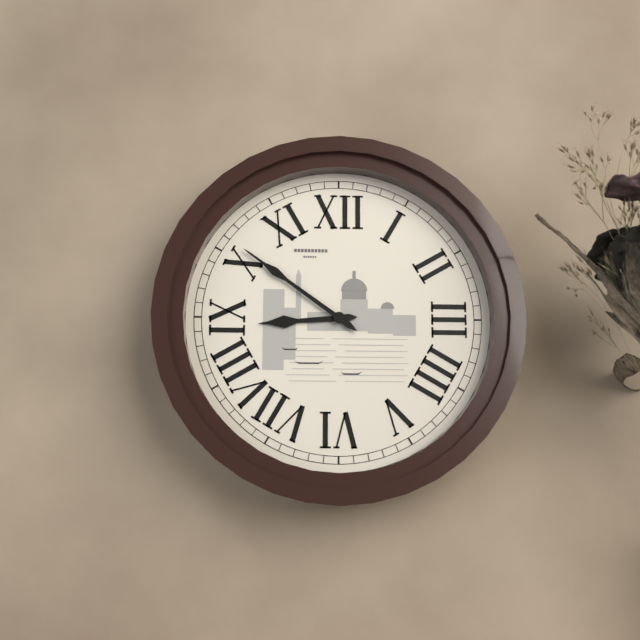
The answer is 8,51
